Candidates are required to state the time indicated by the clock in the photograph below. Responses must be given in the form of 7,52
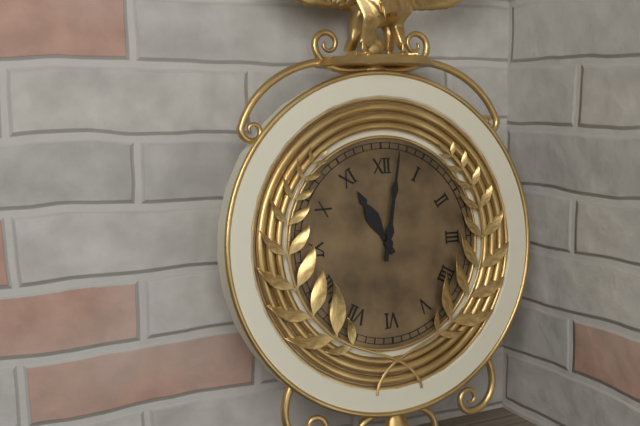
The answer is 11,02
